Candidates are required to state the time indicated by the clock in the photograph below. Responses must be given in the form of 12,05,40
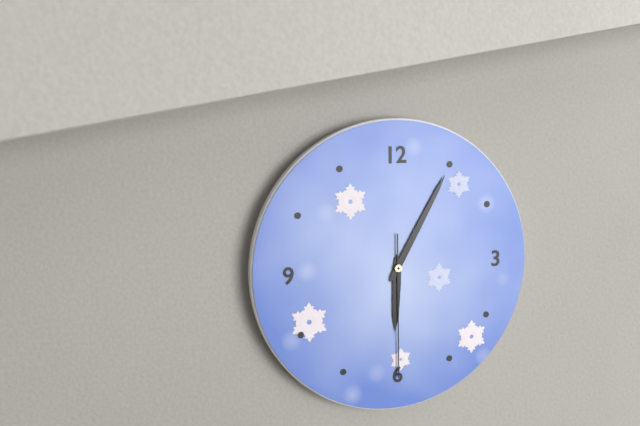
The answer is 6,05,30
